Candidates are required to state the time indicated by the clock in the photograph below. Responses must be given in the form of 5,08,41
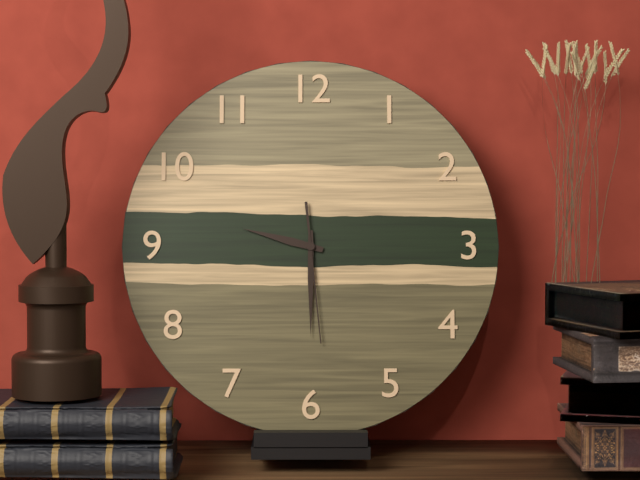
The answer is 9,30,29
